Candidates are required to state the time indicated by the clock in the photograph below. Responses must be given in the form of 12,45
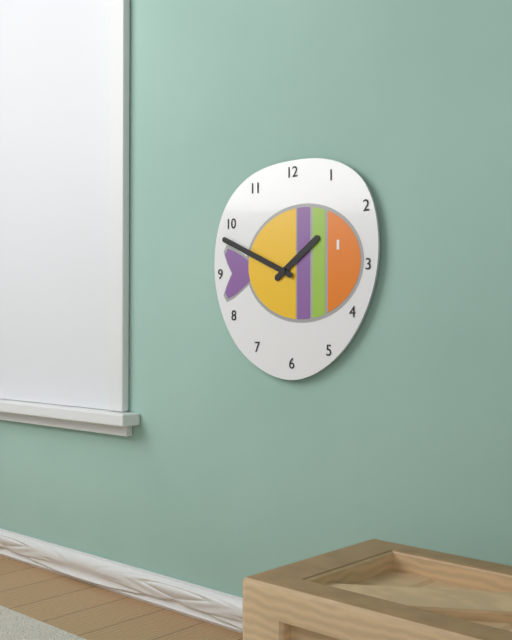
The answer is 1,49
